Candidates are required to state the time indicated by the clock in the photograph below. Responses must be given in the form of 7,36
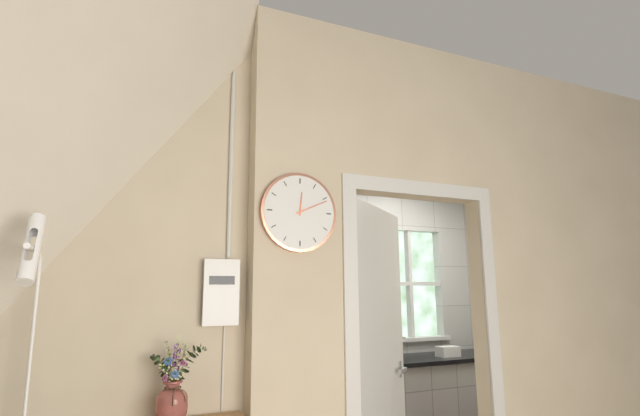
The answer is 12,11
